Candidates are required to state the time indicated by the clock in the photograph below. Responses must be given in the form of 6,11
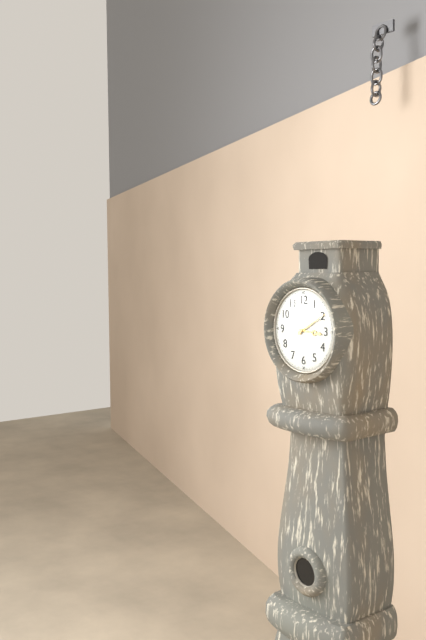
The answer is 3,10
